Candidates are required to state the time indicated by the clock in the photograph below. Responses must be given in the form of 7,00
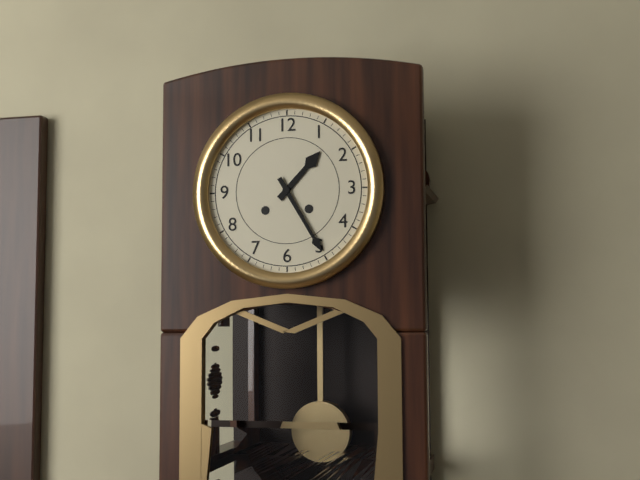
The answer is 1,25
